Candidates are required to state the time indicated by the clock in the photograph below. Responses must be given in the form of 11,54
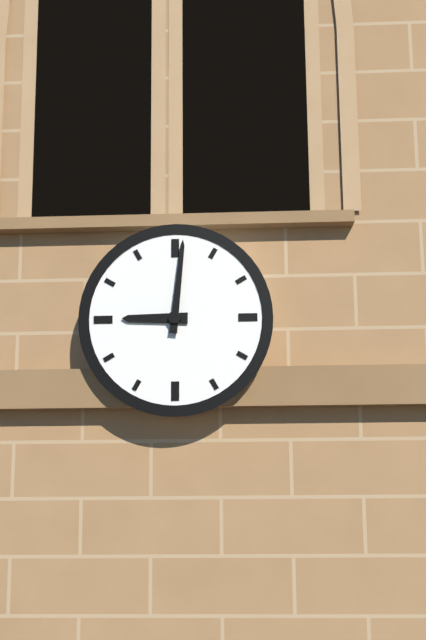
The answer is 9,01
